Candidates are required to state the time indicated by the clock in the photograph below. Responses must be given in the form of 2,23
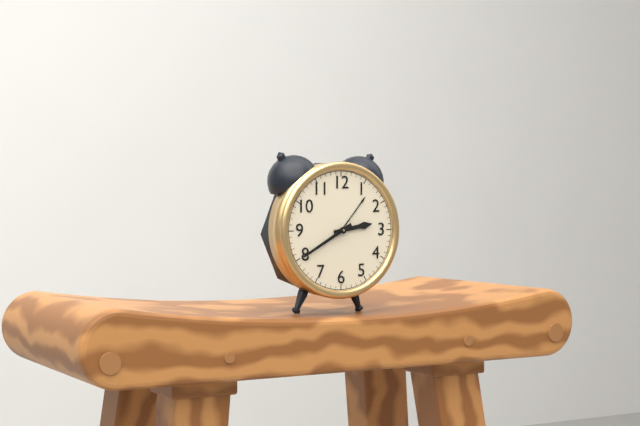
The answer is 2,40
